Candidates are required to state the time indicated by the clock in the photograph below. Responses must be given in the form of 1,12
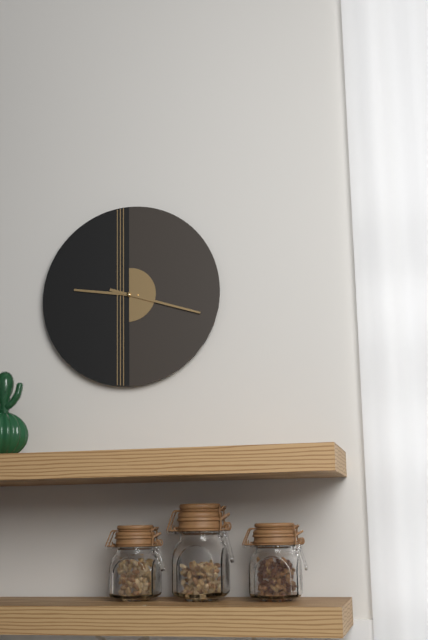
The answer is 9,18
